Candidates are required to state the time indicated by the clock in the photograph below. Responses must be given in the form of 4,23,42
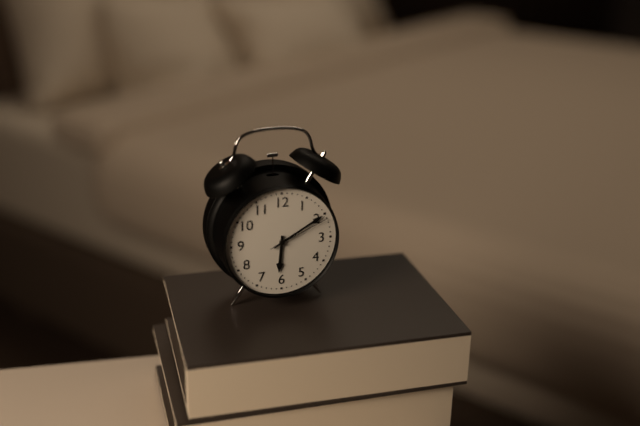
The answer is 6,10,11
